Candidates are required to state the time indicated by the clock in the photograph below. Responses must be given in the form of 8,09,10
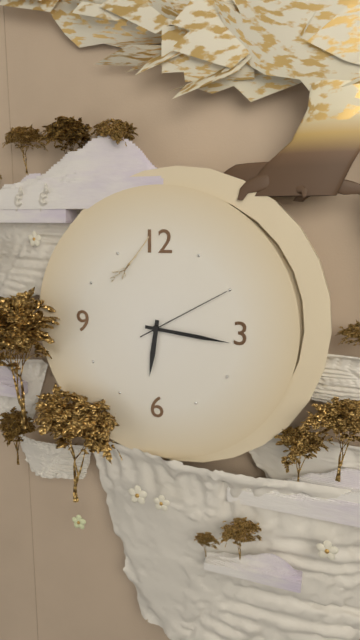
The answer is 6,16,10
